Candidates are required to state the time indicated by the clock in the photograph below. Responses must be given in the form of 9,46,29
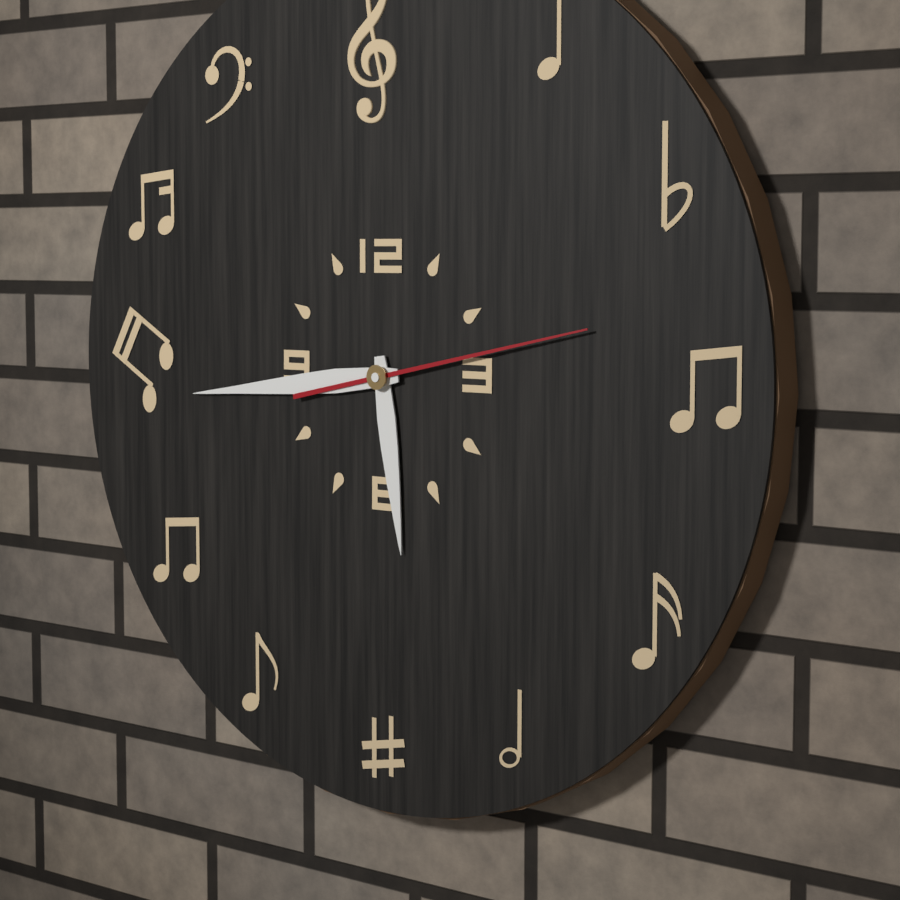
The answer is 5,44,13
